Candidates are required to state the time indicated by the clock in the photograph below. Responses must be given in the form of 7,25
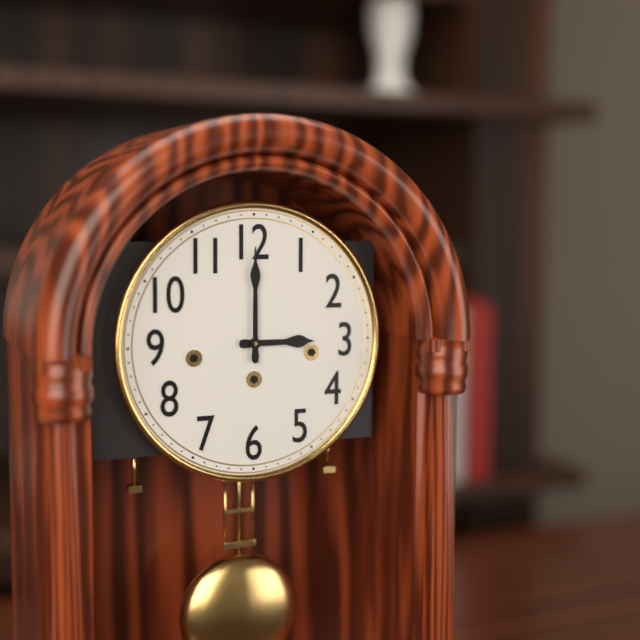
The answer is 3,00
